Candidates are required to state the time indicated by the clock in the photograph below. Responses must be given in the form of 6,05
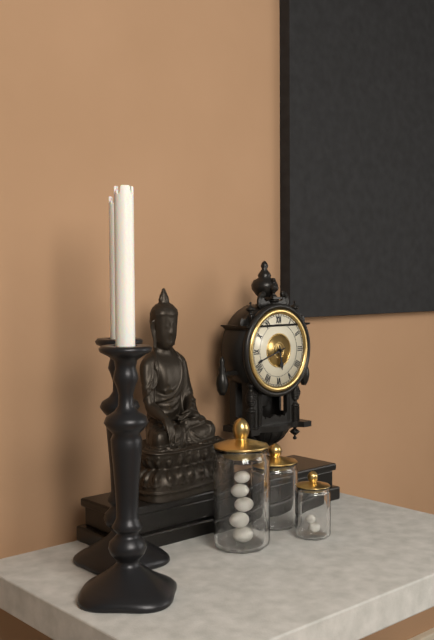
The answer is 5,42
